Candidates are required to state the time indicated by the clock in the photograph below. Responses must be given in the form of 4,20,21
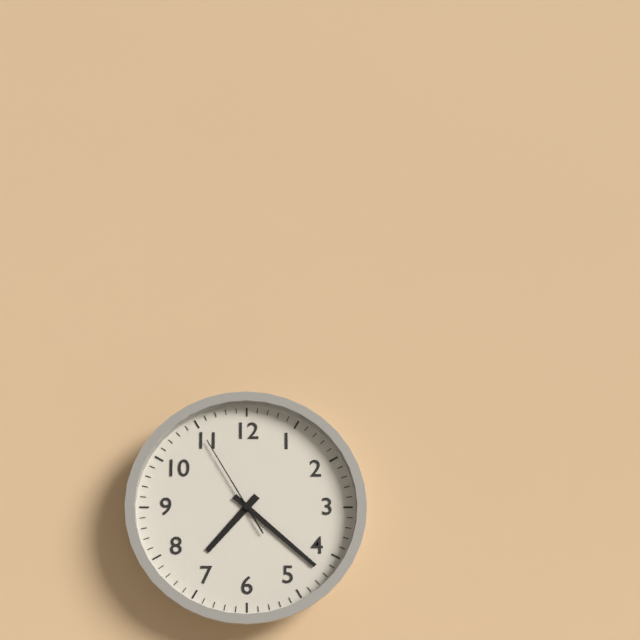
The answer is 7,22,55
